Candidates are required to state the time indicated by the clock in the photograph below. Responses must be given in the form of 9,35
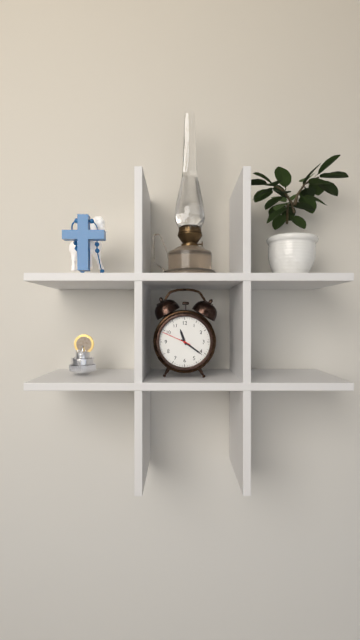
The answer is 11,21
